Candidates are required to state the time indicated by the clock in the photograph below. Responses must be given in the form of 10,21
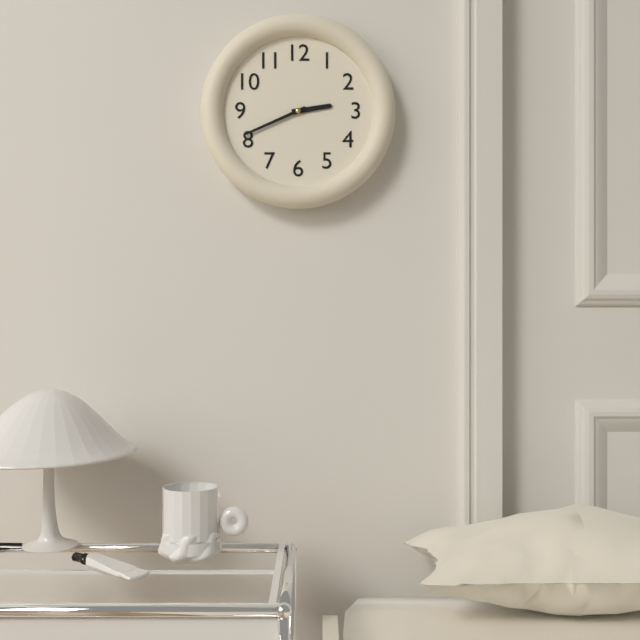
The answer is 2,41
